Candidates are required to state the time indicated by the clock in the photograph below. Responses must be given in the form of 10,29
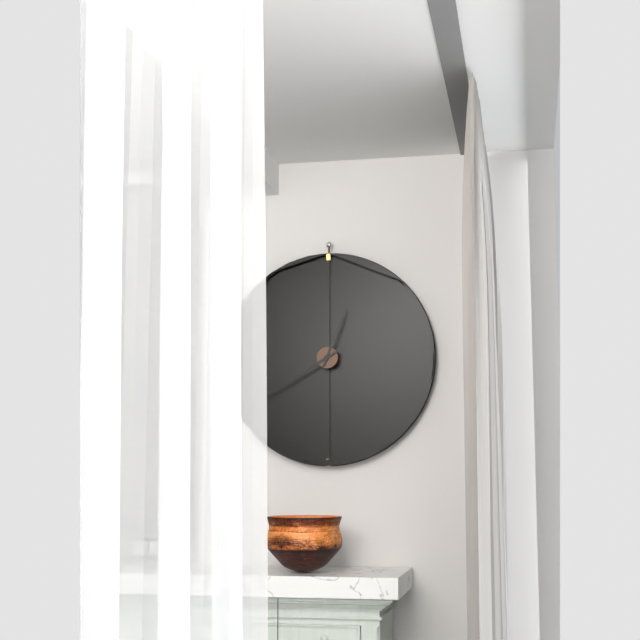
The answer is 12,40
